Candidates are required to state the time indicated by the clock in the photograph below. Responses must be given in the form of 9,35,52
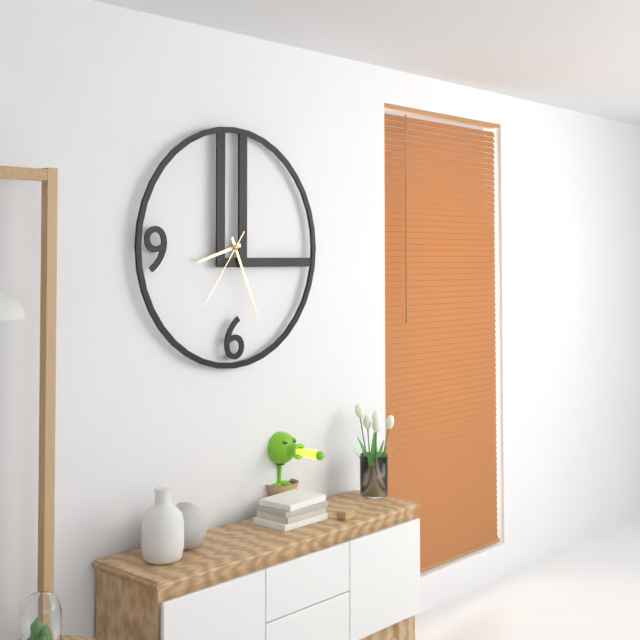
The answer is 8,26,36
